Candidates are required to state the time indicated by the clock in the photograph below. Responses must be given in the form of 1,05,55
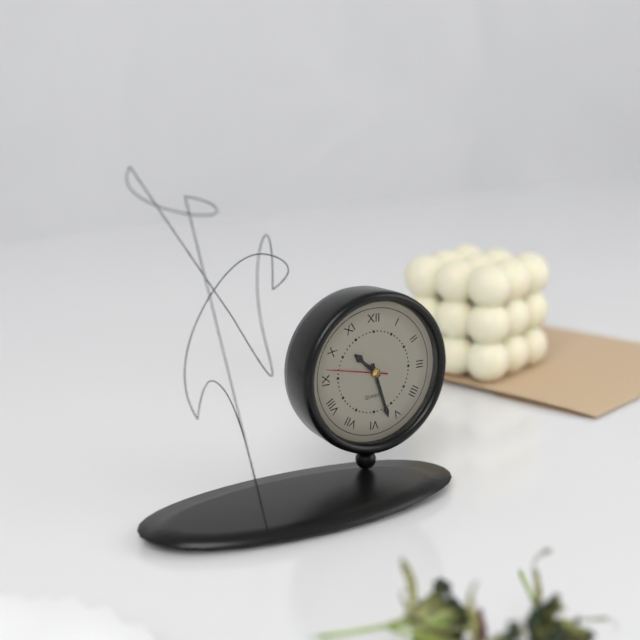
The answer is 10,27,47
